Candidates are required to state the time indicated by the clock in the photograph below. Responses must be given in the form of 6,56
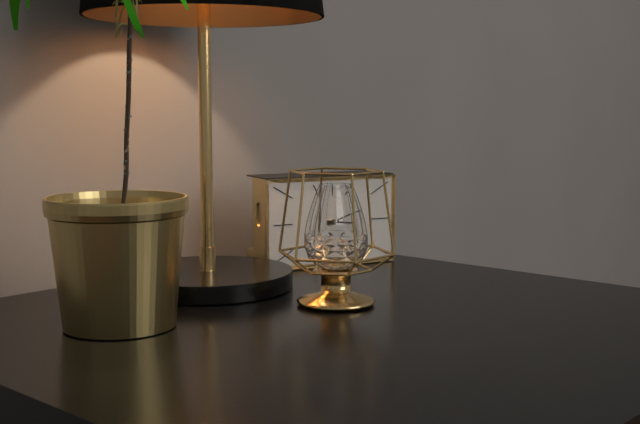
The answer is 3,12
